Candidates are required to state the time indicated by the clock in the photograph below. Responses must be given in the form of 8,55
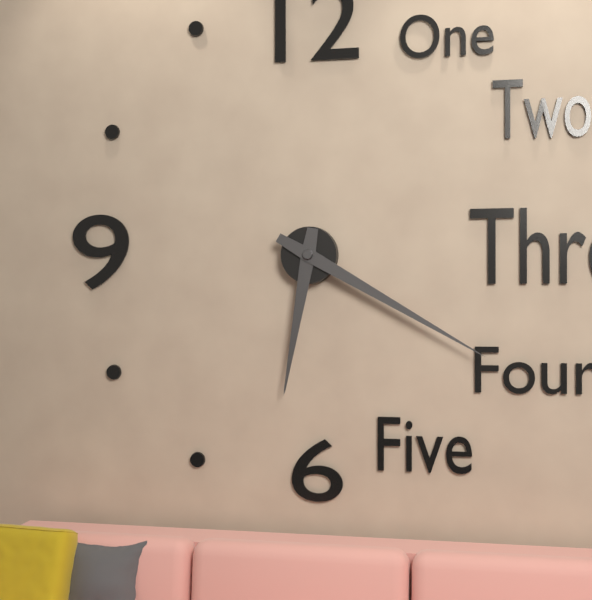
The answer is 6,20
